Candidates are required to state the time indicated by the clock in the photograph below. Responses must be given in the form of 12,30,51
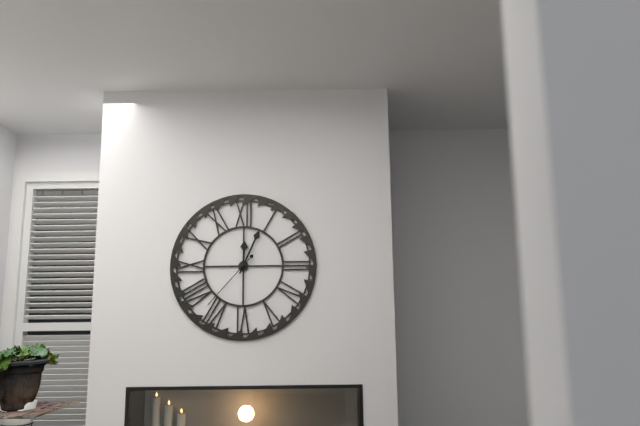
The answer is 12,04,37
